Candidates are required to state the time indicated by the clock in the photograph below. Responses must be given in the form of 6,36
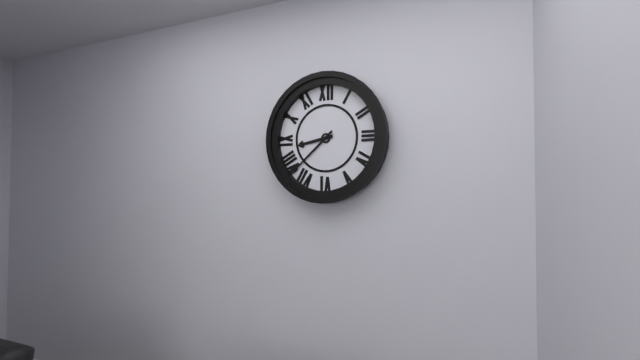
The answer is 8,38
